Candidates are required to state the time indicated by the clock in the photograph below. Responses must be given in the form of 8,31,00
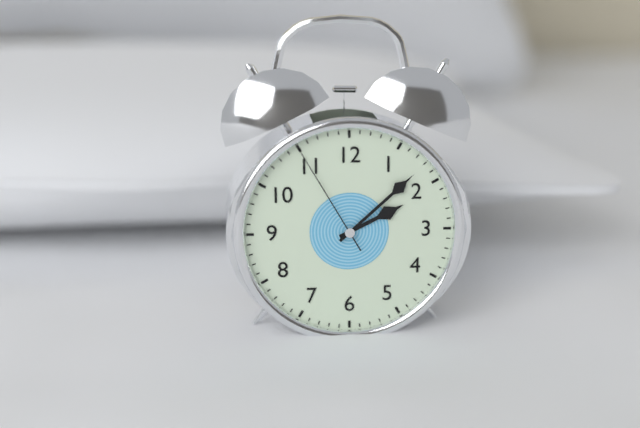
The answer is 2,08,55
